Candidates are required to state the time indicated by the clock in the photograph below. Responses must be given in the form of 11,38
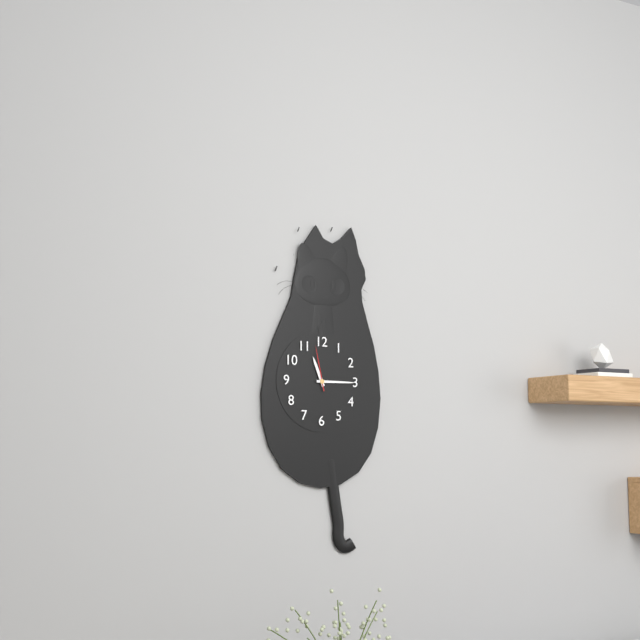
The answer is 11,15
